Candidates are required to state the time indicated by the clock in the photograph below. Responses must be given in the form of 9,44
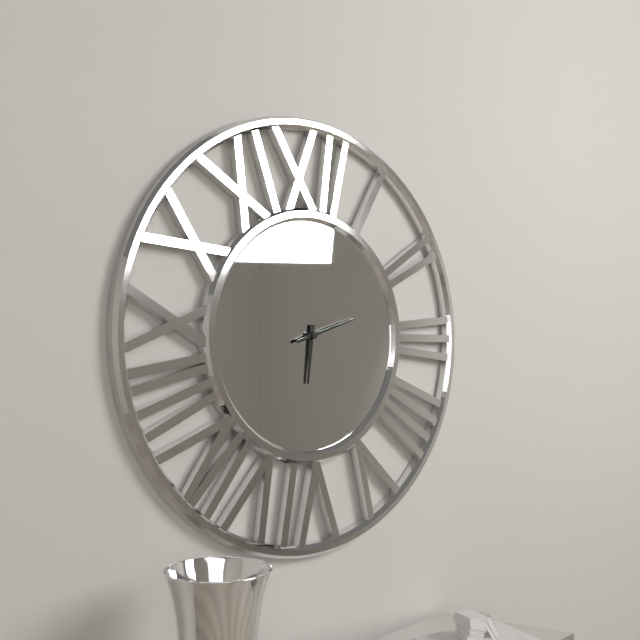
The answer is 6,12
